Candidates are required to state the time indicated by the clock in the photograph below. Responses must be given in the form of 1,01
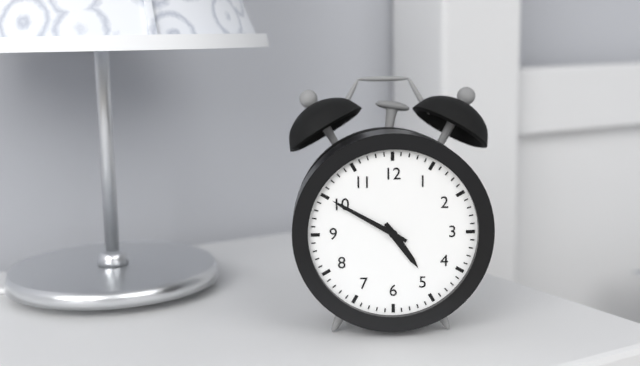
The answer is 4,50
